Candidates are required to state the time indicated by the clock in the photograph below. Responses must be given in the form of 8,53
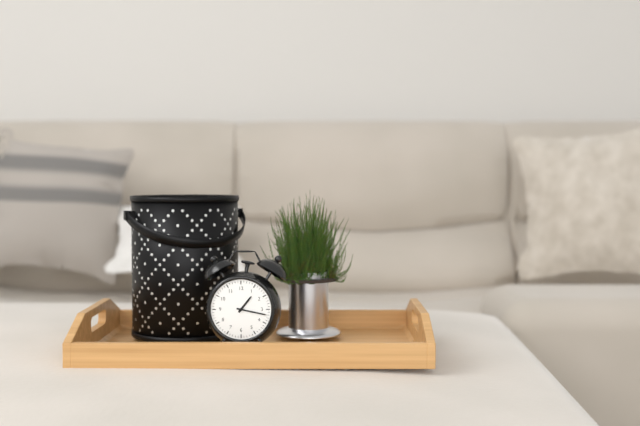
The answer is 1,17
